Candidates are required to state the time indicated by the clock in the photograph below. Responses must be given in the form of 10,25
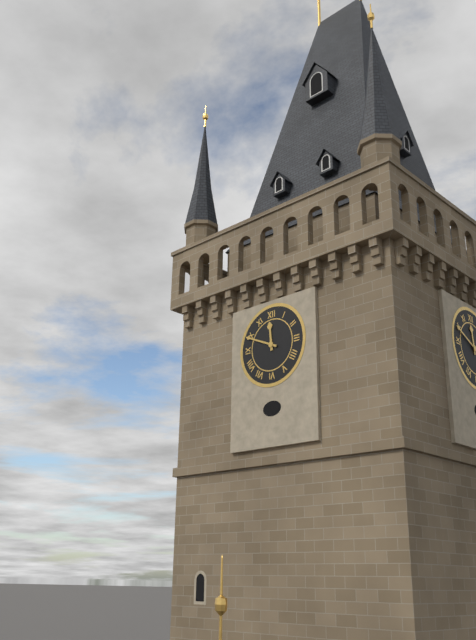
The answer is 11,49
